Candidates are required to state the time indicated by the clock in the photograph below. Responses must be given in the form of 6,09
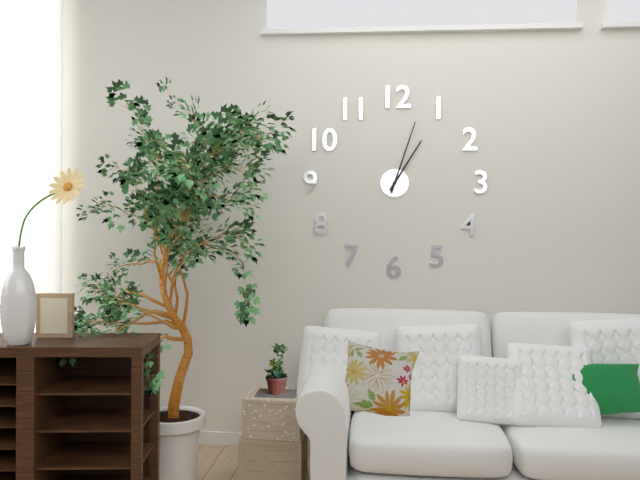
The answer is 1,03
